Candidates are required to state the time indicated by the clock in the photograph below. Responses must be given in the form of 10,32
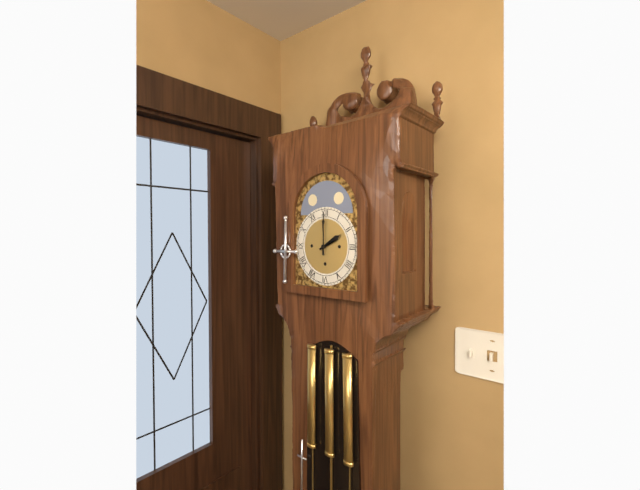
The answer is 2,00
